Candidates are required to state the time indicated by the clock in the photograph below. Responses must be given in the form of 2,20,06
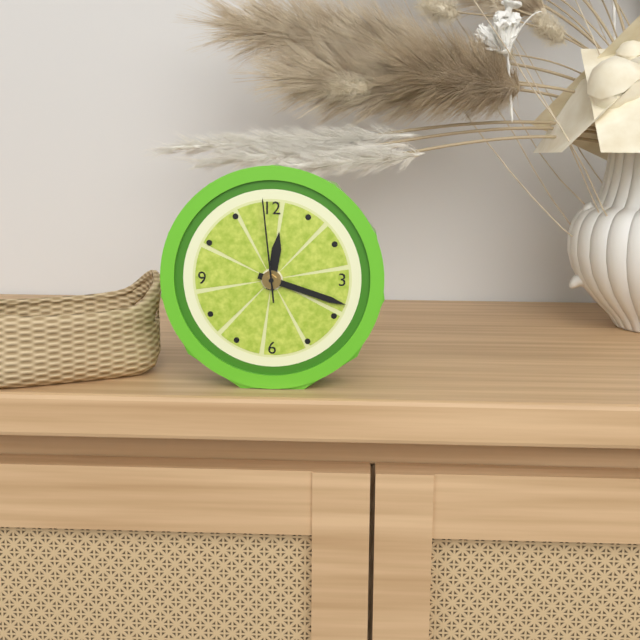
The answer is 12,18,59
